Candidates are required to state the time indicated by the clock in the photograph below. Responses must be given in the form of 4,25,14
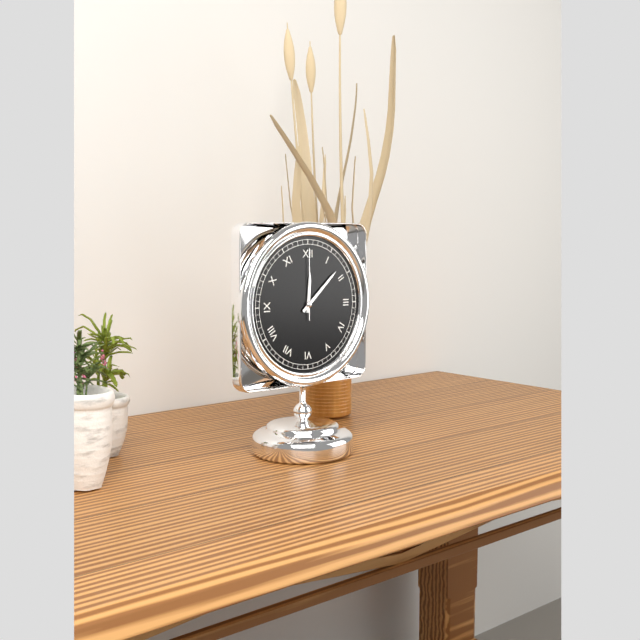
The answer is 12,08,00
